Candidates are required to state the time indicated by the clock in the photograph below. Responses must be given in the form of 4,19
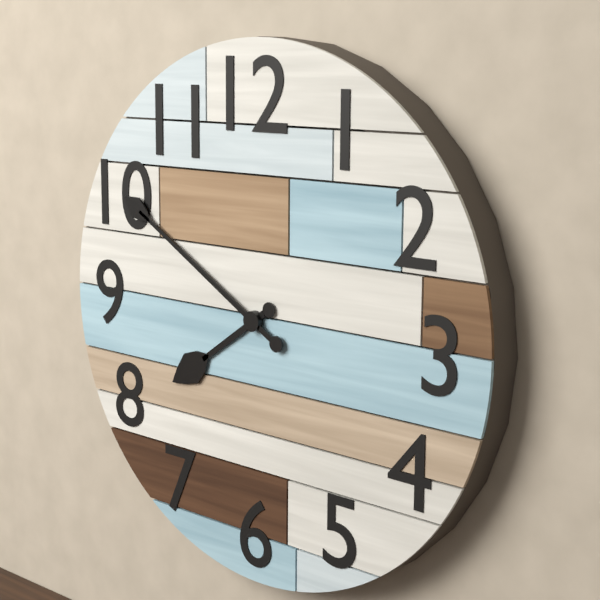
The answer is 7,50
